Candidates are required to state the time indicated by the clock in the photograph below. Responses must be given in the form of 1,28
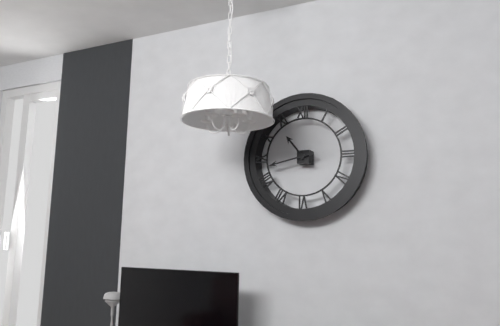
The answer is 10,43
